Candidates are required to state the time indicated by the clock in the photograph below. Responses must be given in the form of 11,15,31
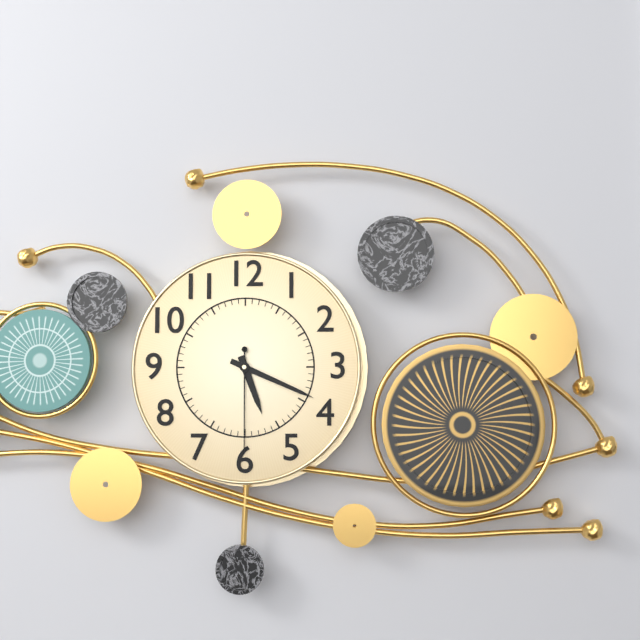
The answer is 5,19,30
